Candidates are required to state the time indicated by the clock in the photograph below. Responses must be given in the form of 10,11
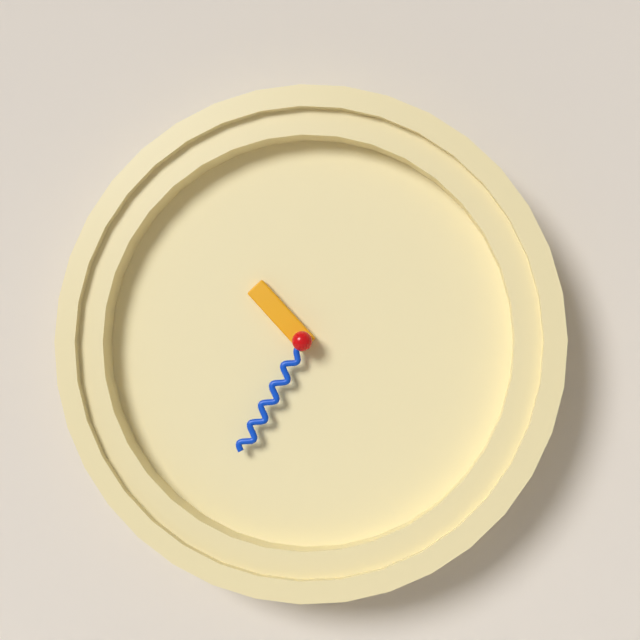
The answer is 10,35
